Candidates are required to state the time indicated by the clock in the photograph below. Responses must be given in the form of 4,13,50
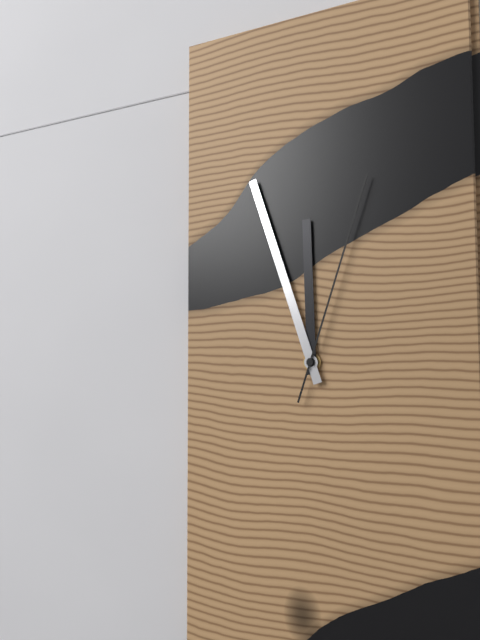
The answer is 11,57,03
